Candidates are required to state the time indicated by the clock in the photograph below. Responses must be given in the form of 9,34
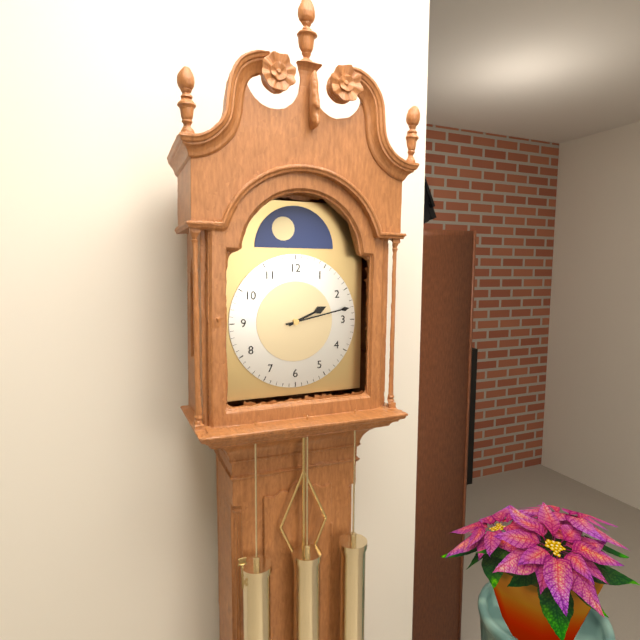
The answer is 2,13
